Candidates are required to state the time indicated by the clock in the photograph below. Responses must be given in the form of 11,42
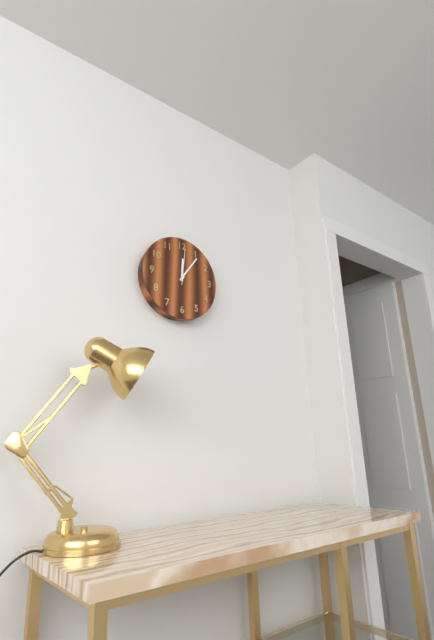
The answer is 12,06
